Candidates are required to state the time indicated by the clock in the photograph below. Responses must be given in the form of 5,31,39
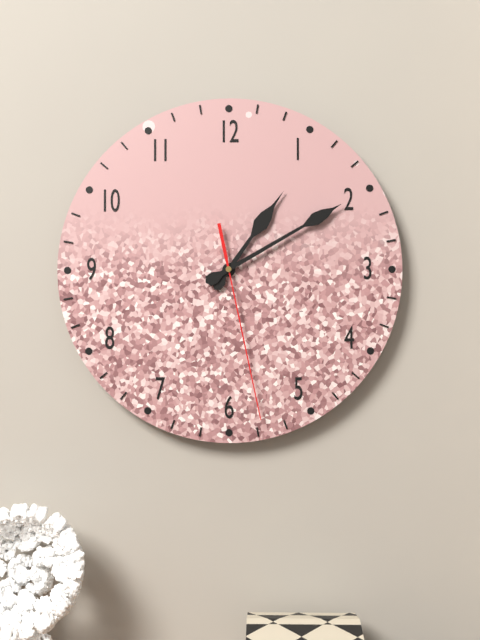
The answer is 1,10,28
